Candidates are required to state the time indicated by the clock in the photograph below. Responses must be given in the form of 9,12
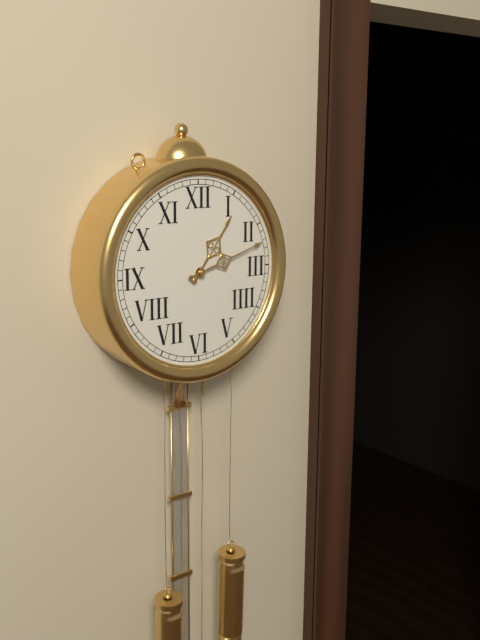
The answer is 1,12
